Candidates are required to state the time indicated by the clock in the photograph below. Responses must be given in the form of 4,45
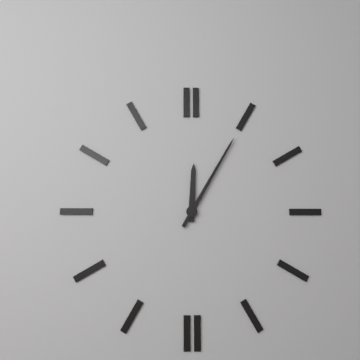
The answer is 12,05
